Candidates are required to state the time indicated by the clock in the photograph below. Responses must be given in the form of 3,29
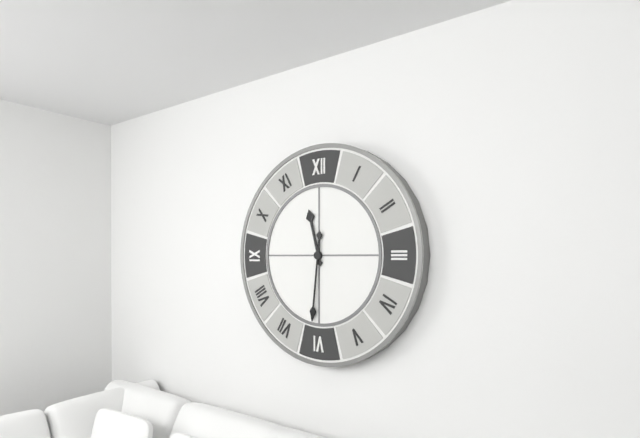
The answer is 11,31
